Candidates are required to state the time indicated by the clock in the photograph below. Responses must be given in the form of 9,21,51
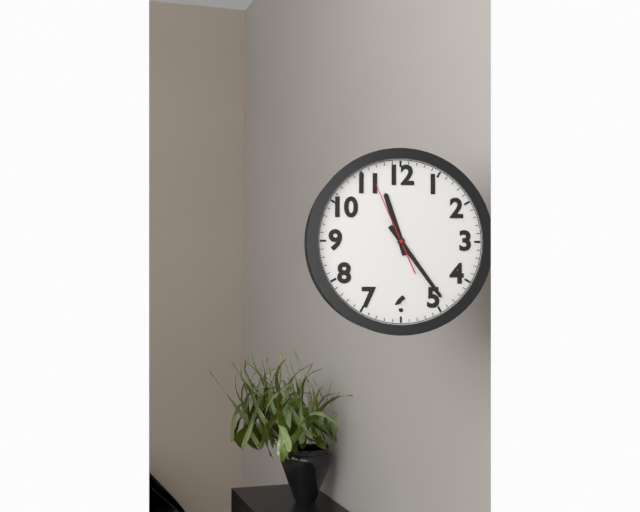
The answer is 11,24,56
